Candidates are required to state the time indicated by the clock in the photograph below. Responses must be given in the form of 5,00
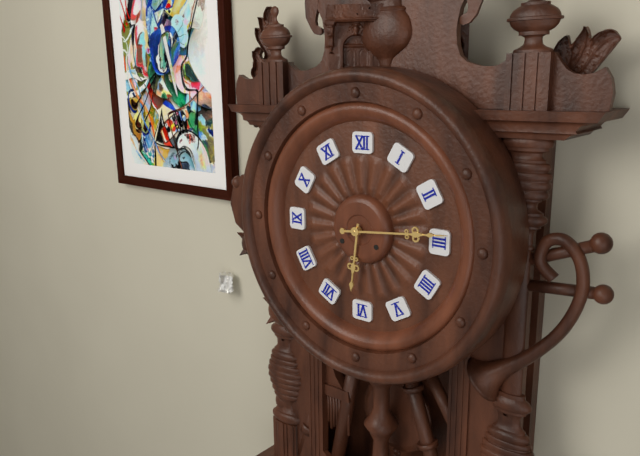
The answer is 6,14
